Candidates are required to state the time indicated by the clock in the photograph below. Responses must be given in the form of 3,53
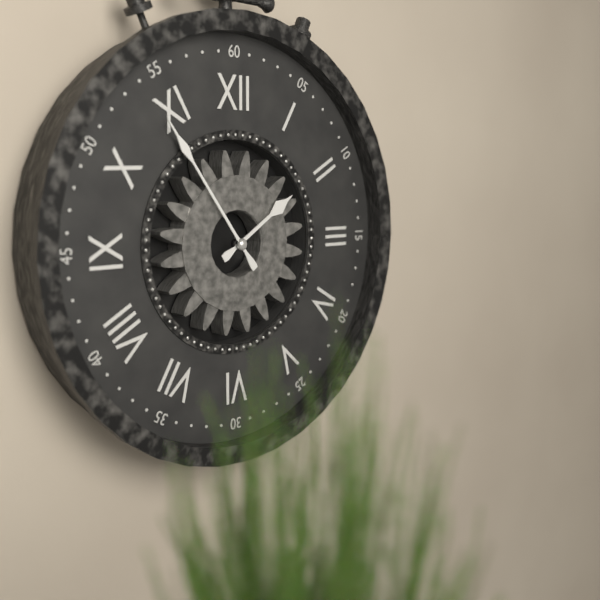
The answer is 1,54
